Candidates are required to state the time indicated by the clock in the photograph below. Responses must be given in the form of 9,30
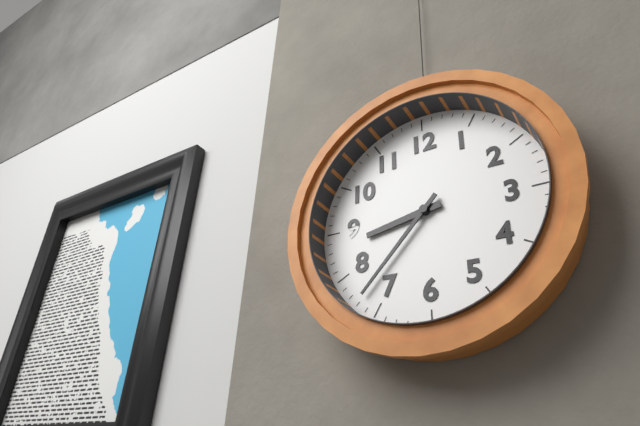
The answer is 8,37
